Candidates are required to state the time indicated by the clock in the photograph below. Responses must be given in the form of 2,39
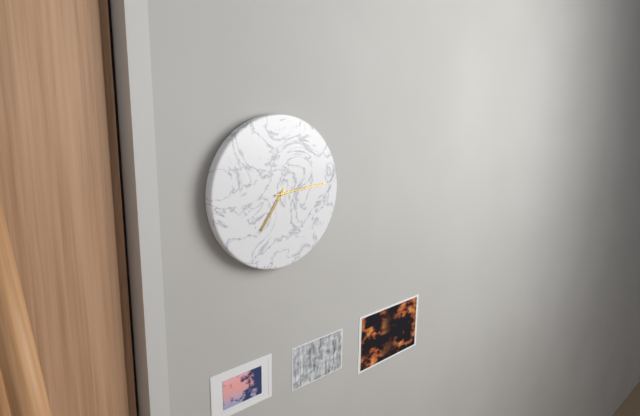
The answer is 7,14
